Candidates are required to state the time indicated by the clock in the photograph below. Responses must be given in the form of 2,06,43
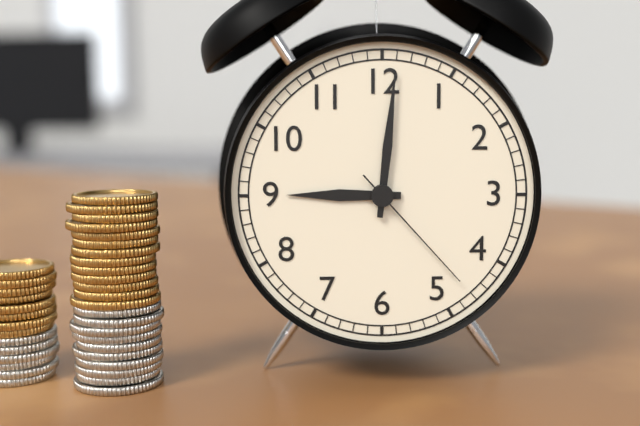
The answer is 9,01,23
